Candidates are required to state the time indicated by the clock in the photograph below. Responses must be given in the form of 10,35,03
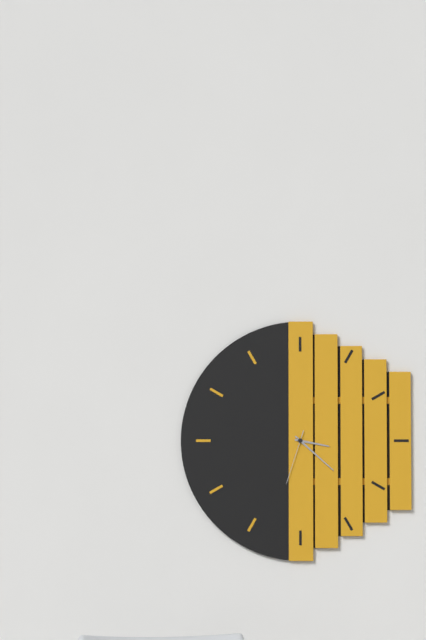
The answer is 3,22,33
